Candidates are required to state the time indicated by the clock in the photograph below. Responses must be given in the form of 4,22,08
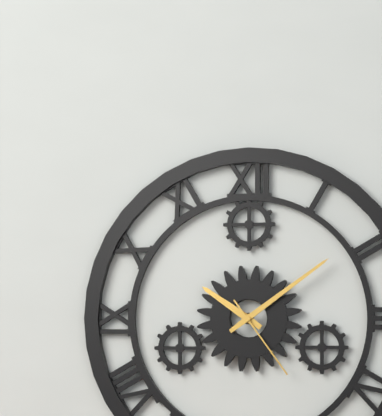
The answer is 10,09,24
